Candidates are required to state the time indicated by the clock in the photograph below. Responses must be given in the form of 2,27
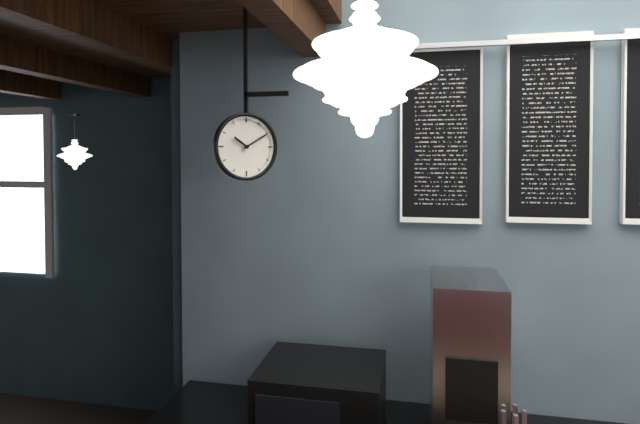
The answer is 10,10
